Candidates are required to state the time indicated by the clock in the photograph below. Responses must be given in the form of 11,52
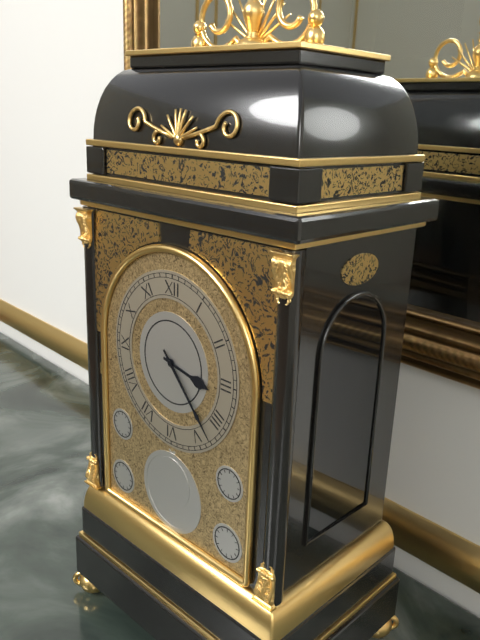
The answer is 3,23
